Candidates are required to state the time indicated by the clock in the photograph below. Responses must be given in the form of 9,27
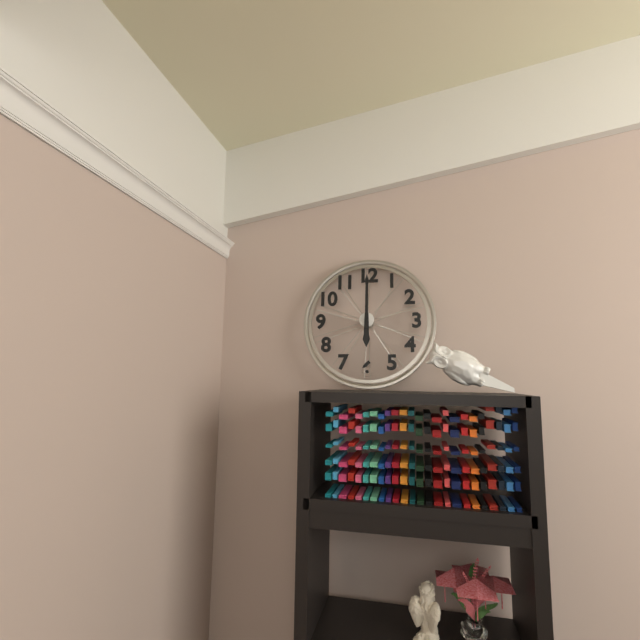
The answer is 6,00
